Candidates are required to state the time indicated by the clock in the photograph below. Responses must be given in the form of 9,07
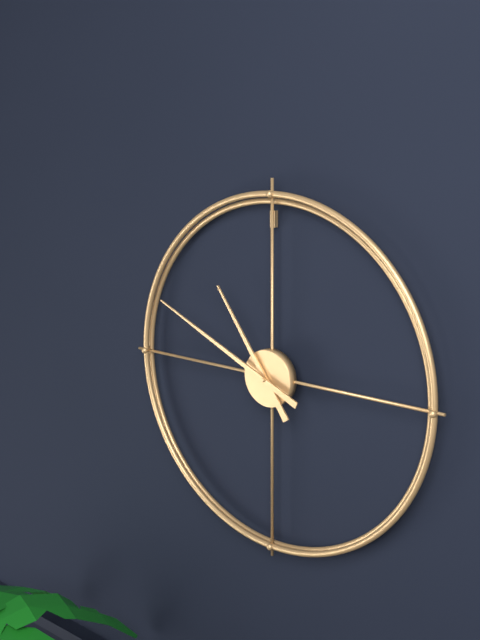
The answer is 10,49
